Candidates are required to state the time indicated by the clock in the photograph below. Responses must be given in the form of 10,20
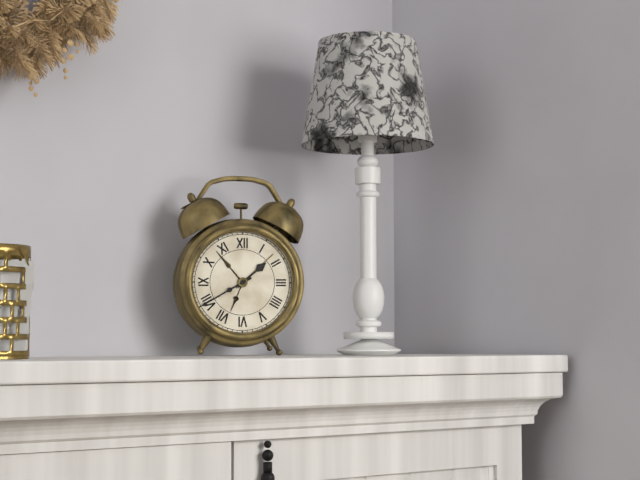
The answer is 1,40
